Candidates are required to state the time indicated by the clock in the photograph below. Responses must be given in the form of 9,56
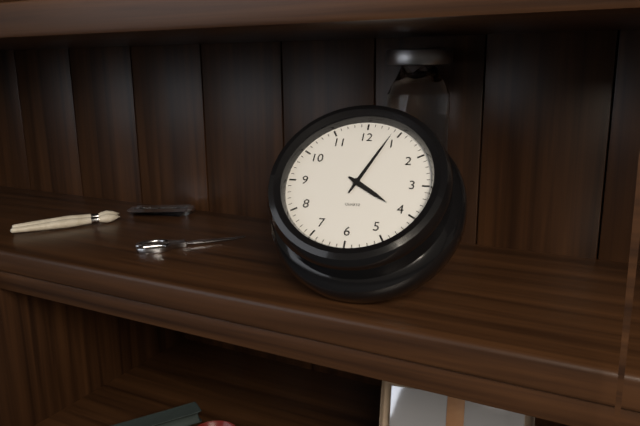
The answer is 4,04
